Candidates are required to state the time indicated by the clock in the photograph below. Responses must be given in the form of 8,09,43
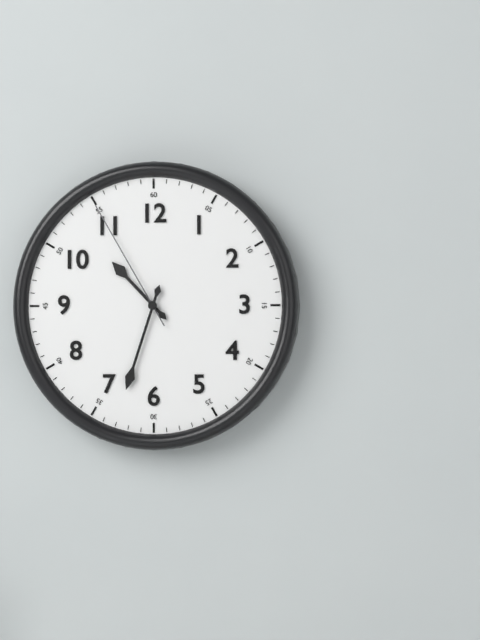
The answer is 10,33,55
